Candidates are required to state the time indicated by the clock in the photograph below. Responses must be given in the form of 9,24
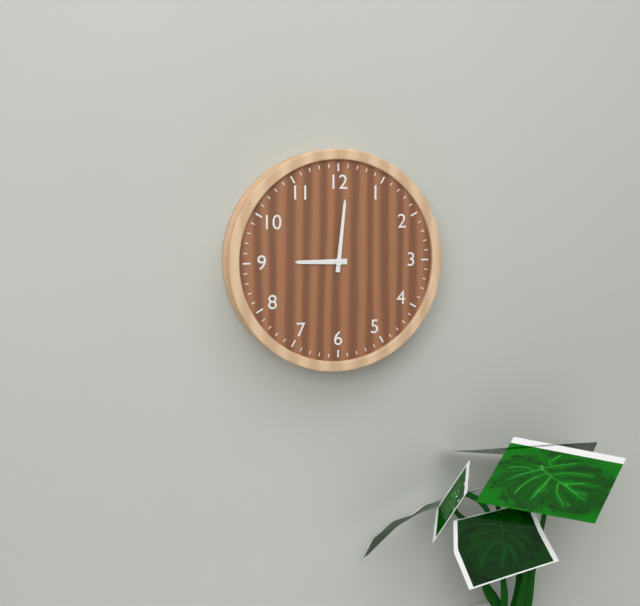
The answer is 9,01
